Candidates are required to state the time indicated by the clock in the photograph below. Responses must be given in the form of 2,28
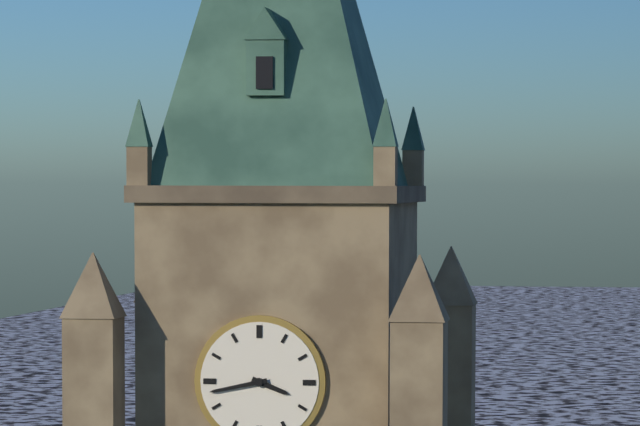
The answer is 3,43
